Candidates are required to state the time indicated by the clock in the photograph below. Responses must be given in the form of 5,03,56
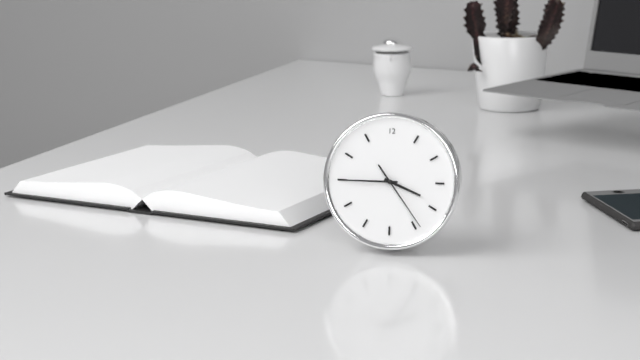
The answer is 3,45,24
